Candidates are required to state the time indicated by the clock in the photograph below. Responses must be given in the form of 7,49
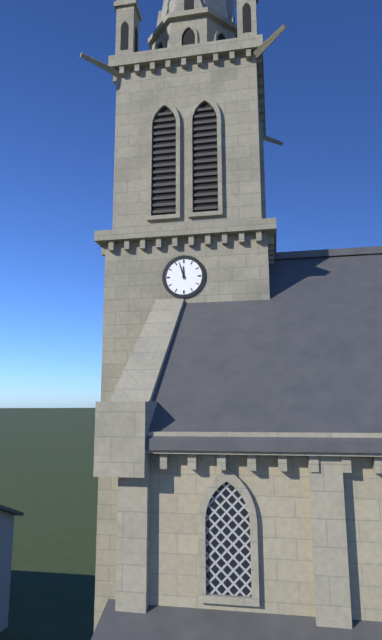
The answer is 11,57
